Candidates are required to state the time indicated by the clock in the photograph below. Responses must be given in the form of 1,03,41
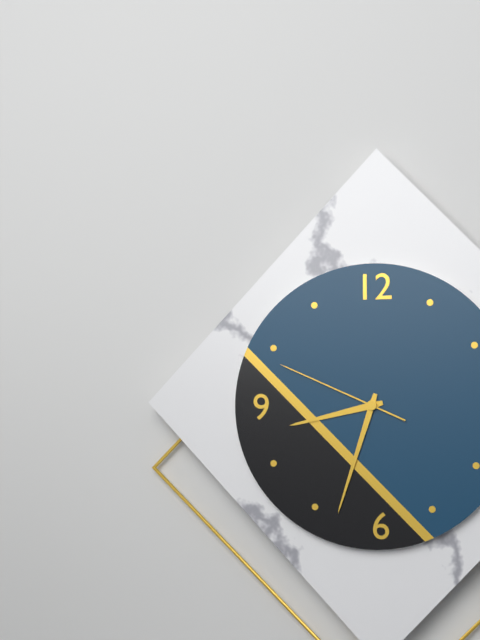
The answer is 8,33,49
